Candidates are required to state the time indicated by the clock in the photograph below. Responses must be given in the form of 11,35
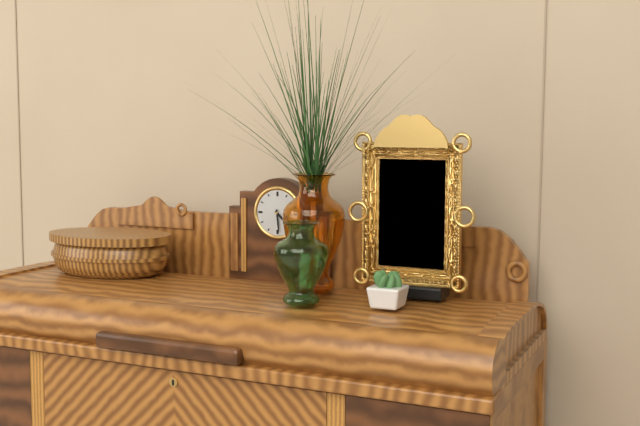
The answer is 4,29
